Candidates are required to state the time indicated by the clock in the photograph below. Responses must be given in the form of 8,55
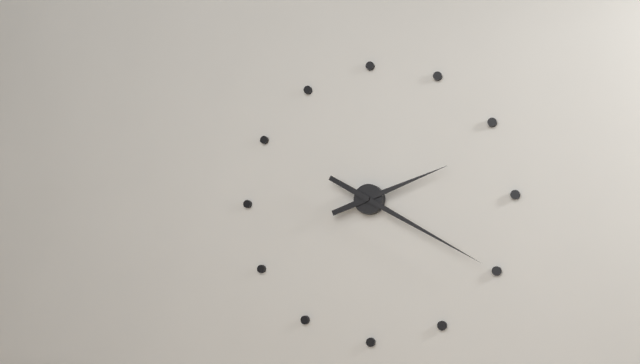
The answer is 2,20
